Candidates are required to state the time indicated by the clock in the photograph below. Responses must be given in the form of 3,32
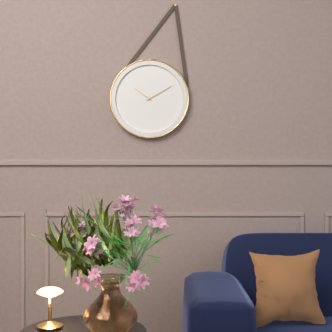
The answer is 10,10
